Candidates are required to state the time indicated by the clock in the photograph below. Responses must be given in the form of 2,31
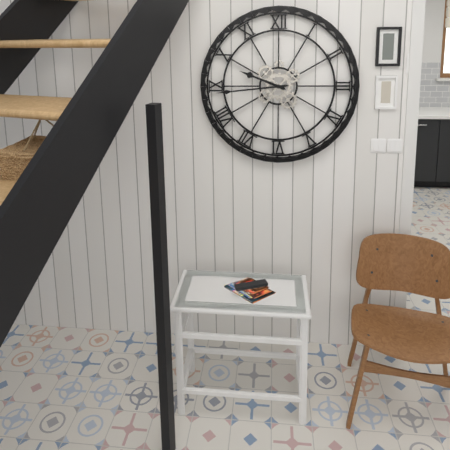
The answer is 9,44
